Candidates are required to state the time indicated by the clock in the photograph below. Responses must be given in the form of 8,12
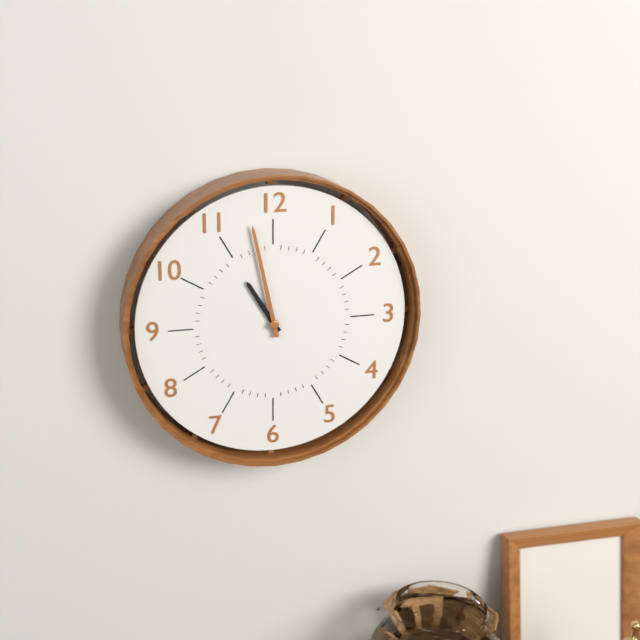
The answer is 10,58
